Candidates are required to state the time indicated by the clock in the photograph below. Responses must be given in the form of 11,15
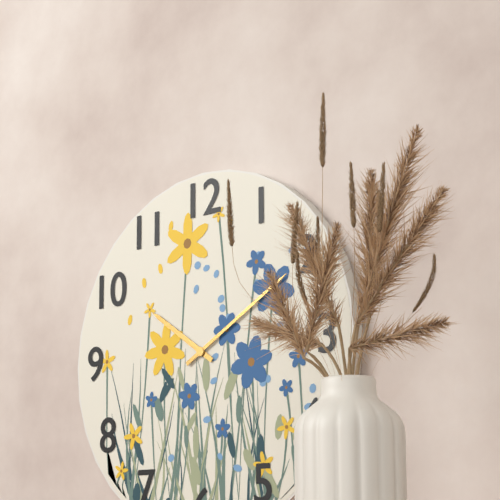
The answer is 10,10
